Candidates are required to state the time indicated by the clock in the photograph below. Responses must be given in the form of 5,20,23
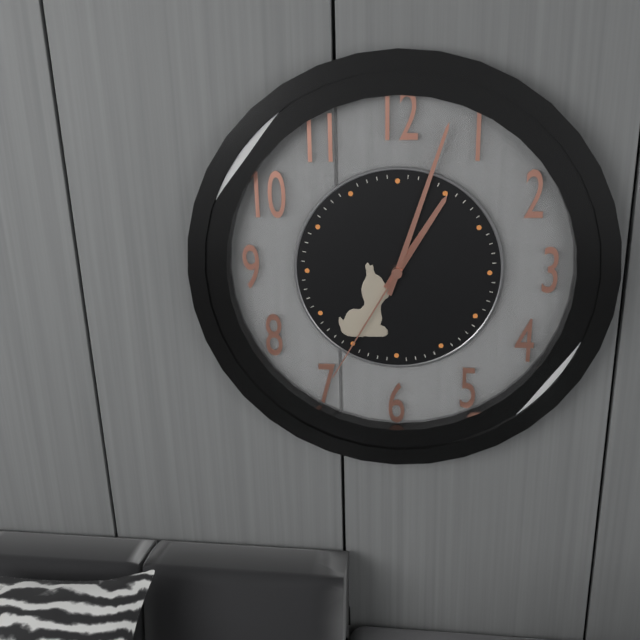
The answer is 1,03,35
